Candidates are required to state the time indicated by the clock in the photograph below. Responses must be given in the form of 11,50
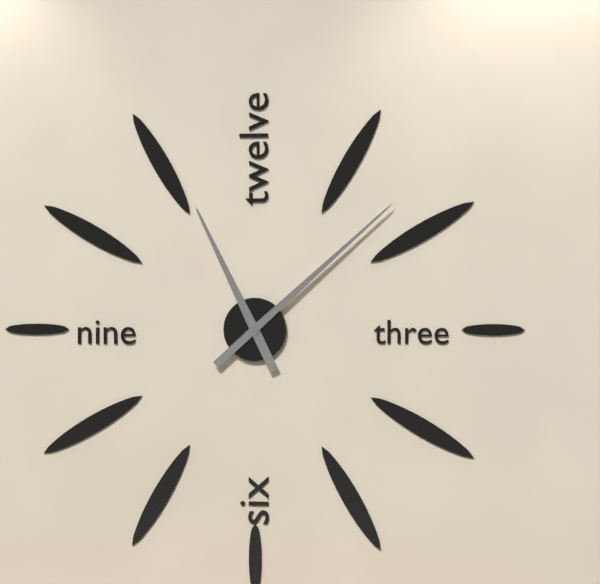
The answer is 11,08
